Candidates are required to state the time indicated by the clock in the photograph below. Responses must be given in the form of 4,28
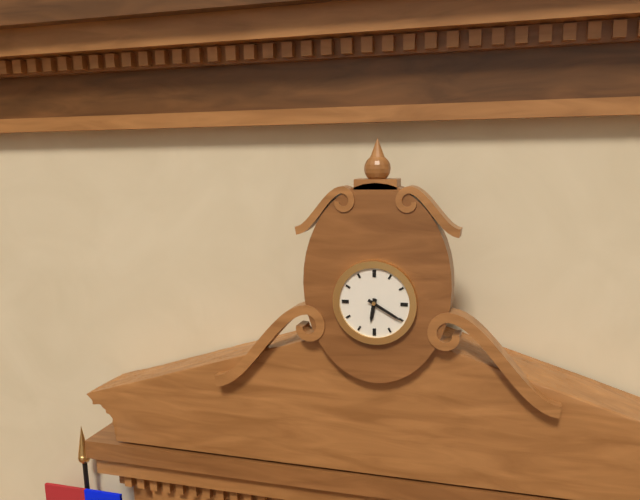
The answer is 6,20
